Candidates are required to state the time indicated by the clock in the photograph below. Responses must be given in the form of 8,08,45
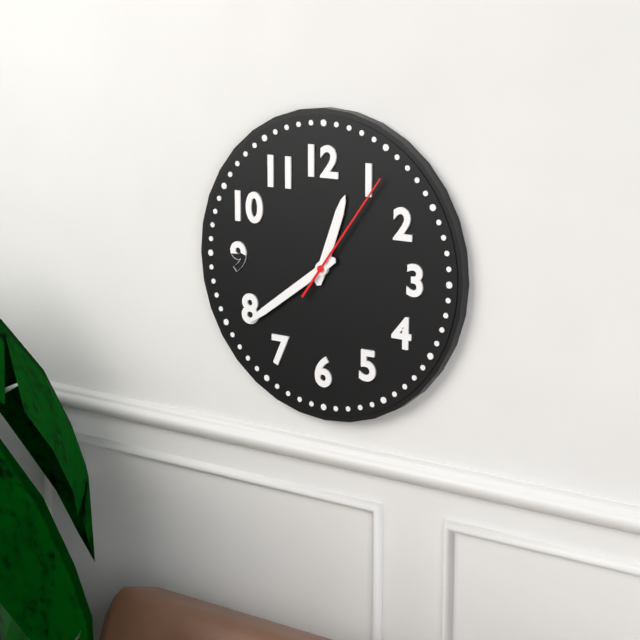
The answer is 12,39,06
